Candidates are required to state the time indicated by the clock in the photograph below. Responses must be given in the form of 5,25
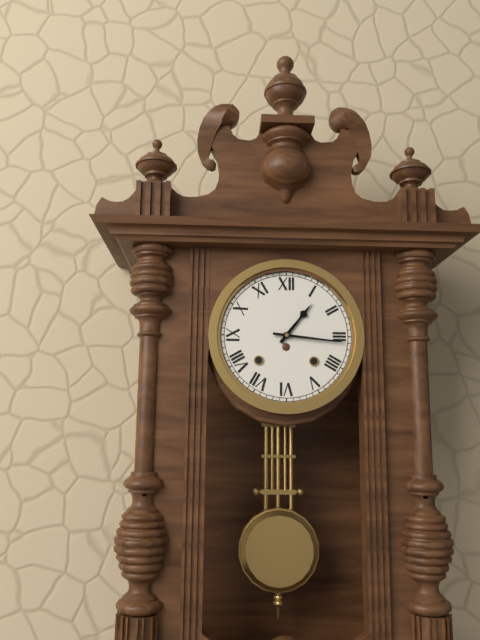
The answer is 1,16
